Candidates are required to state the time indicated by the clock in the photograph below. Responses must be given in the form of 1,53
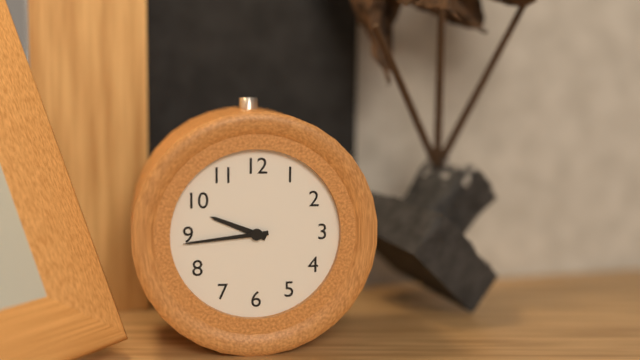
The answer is 9,44
